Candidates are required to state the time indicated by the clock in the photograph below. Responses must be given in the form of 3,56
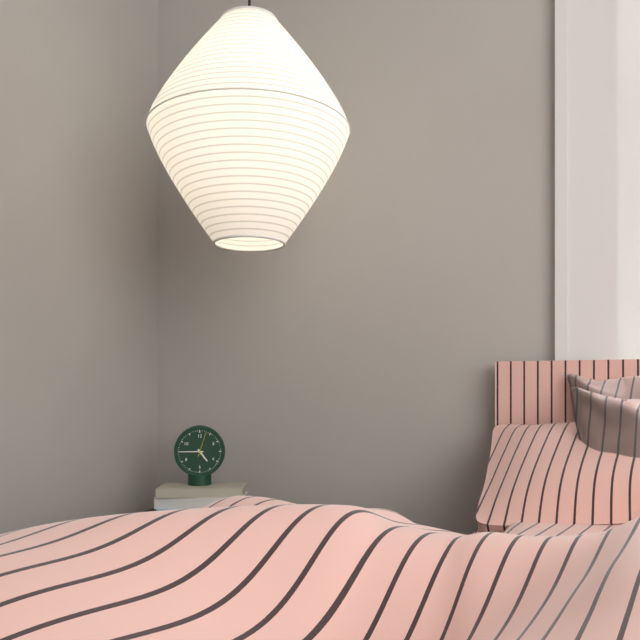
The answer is 4,45
